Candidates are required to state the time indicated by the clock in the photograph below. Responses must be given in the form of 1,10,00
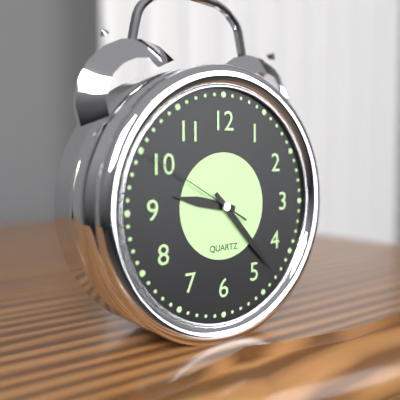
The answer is 9,23,50
